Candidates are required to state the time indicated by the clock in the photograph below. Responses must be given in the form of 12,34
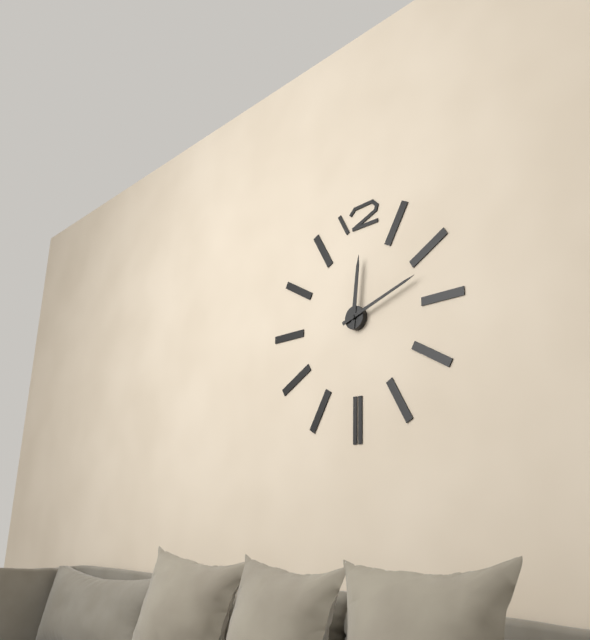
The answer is 12,12
